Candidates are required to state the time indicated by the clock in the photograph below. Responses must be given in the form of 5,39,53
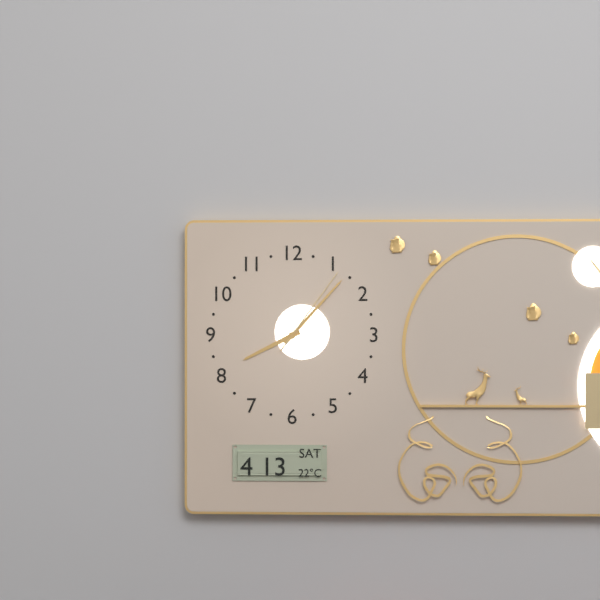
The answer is 8,07,06
